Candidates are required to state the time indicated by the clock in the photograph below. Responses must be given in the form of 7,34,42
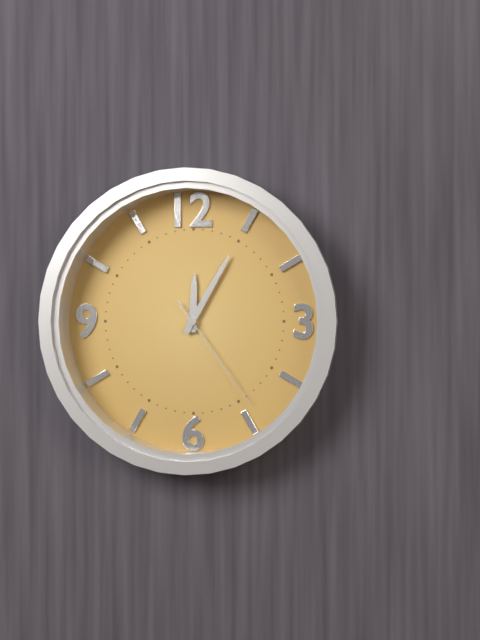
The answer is 12,05,24
